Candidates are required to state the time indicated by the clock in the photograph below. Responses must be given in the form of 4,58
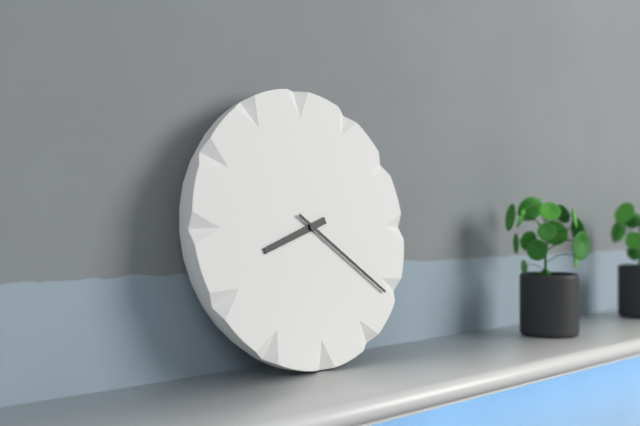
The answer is 8,21
